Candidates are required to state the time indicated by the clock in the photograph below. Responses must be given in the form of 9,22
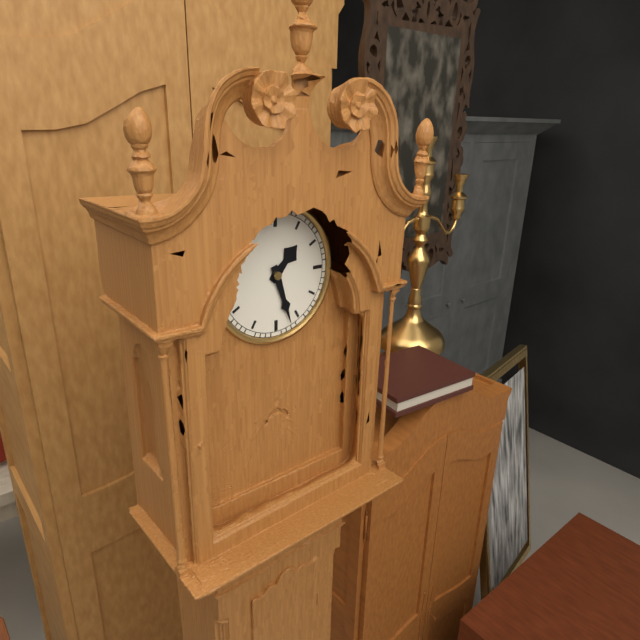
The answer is 1,27
